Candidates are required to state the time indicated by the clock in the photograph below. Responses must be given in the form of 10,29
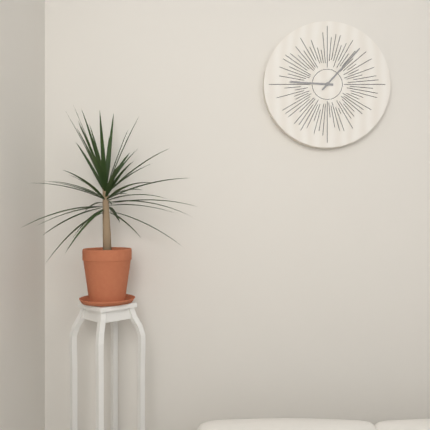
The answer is 9,07
